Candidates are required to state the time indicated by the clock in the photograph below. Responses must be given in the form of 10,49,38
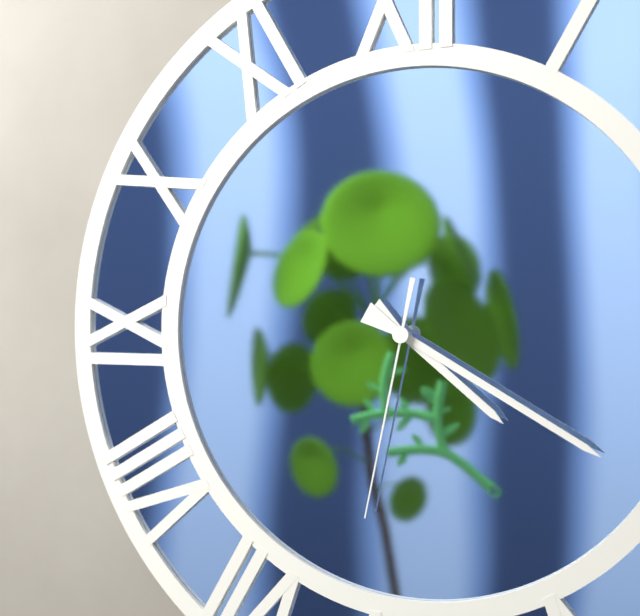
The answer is 4,20,32
